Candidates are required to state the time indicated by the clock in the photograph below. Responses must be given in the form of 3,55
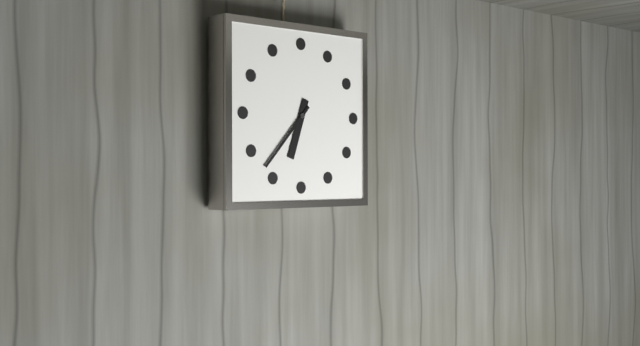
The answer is 6,37
